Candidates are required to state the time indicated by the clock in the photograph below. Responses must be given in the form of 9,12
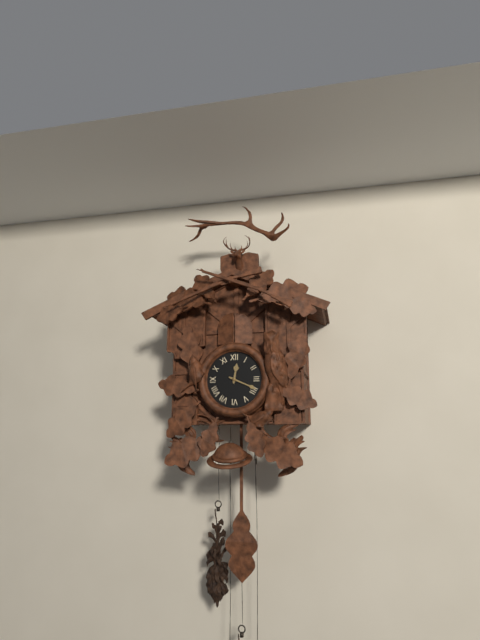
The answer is 12,19
